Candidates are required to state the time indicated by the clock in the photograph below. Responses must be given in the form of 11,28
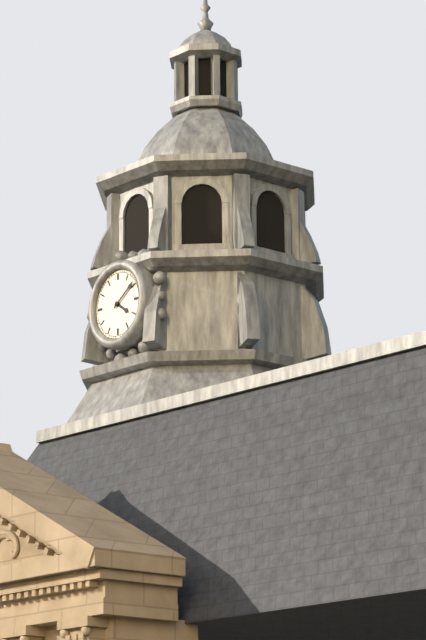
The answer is 4,09
